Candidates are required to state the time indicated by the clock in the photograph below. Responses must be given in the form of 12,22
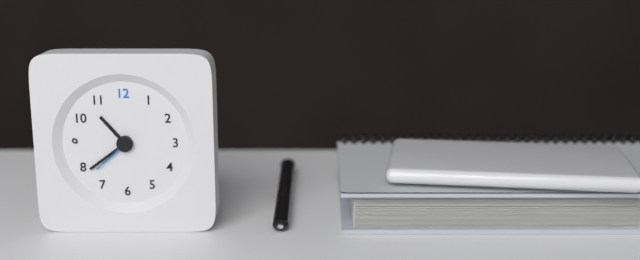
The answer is 10,39
